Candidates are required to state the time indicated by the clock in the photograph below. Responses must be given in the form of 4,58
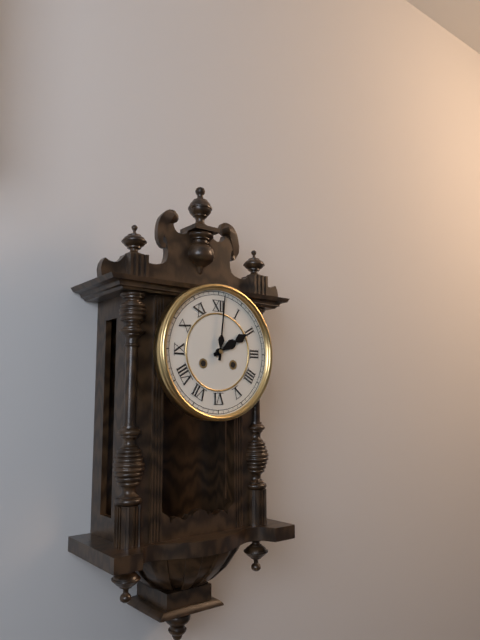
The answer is 2,01
